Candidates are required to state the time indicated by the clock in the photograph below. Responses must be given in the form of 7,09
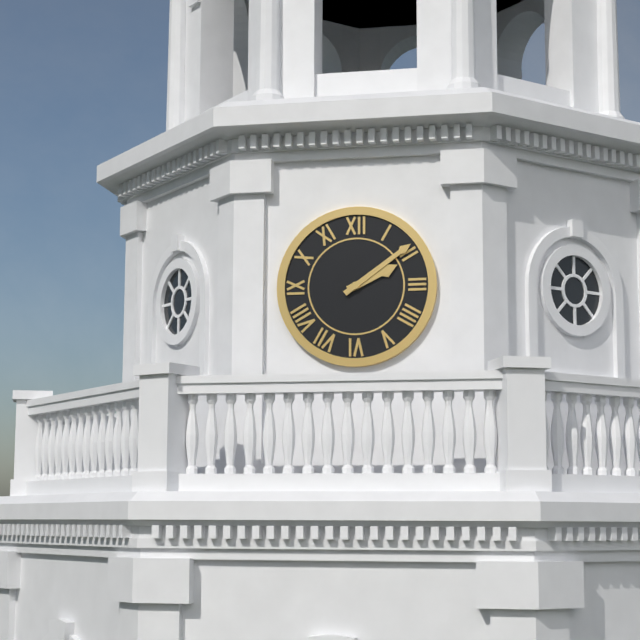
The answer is 2,09
